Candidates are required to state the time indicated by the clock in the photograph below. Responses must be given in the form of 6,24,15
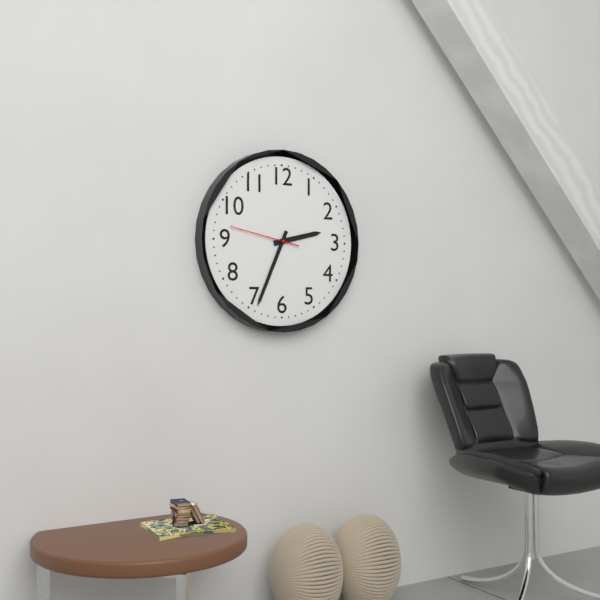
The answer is 2,34,47
